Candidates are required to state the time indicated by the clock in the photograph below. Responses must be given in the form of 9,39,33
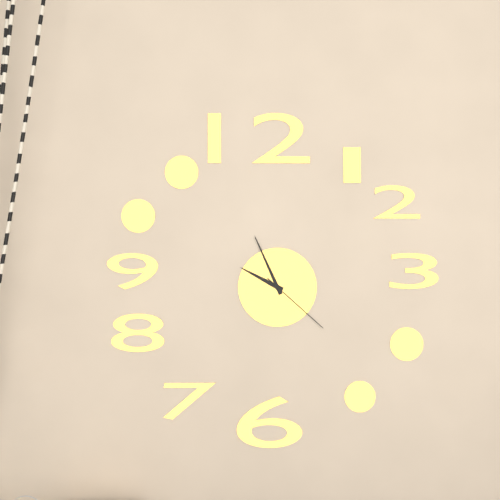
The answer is 9,56,22
